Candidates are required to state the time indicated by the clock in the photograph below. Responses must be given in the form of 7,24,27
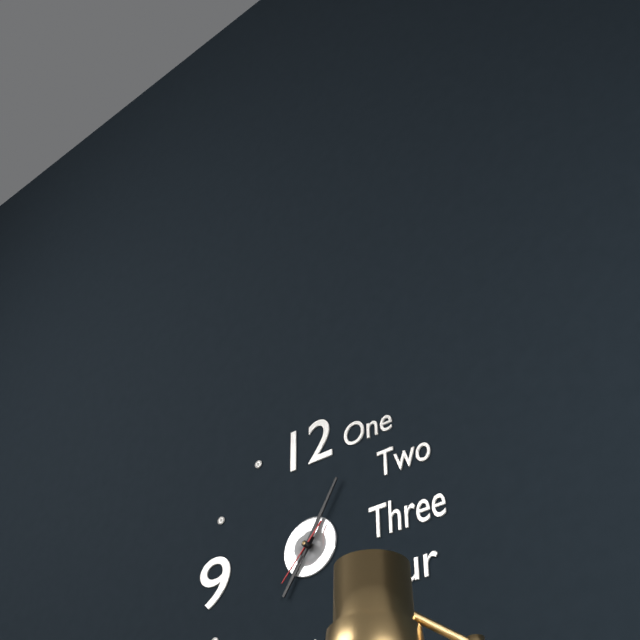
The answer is 7,05,37
